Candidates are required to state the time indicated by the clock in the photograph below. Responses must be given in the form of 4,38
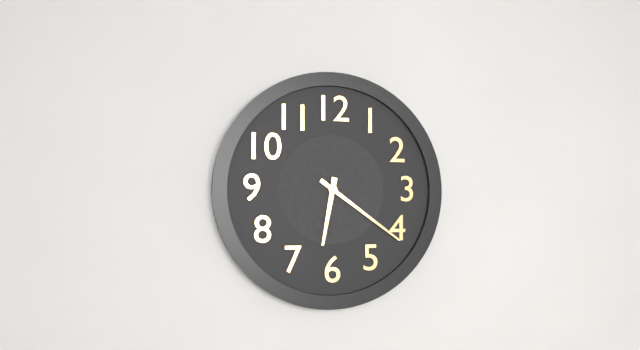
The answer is 6,21
